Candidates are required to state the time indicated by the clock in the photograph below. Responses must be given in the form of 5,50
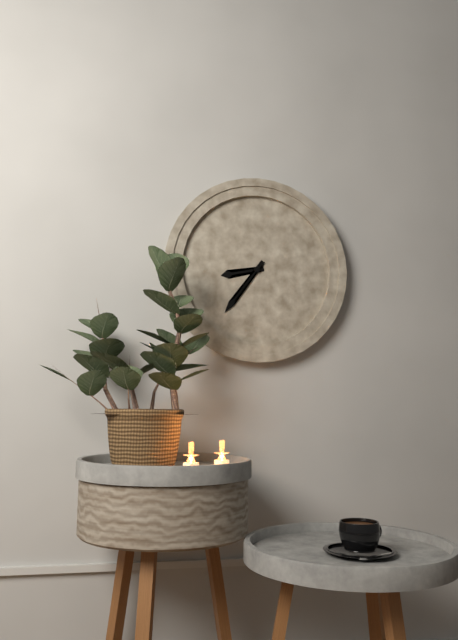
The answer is 8,36
